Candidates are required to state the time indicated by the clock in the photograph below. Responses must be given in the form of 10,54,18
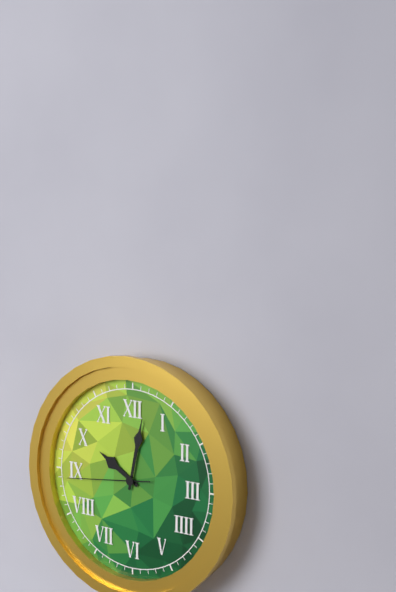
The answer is 10,02,44
